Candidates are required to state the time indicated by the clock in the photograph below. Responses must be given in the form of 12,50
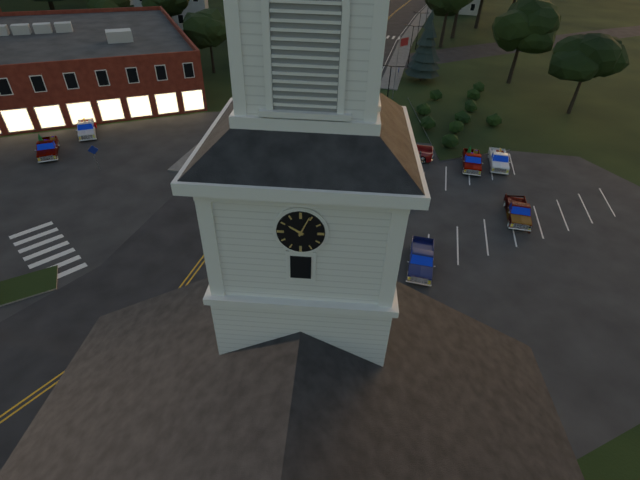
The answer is 10,04
